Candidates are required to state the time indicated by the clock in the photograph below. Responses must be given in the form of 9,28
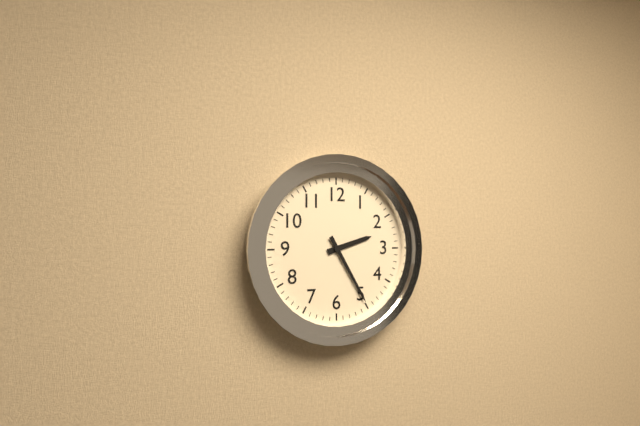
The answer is 2,25
